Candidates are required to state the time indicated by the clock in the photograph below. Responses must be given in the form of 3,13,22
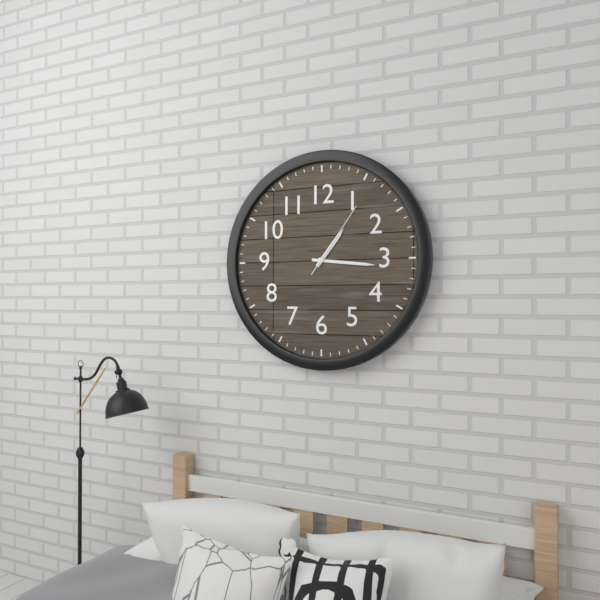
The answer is 1,16,06
